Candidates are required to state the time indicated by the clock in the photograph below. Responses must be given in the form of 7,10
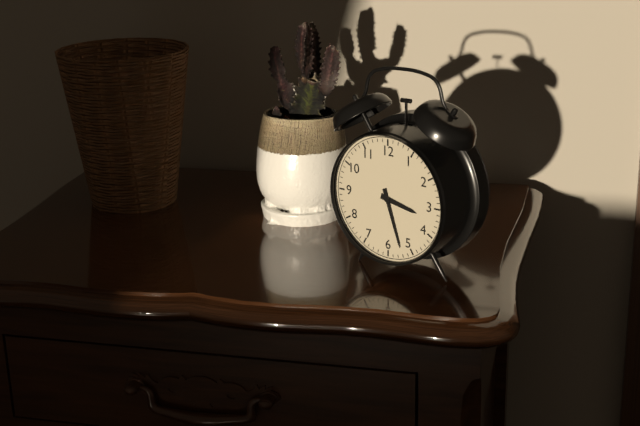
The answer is 3,27
